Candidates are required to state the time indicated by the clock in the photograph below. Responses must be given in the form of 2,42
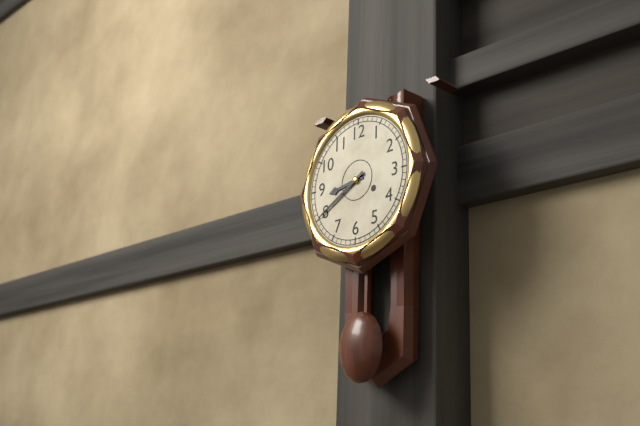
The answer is 8,40
